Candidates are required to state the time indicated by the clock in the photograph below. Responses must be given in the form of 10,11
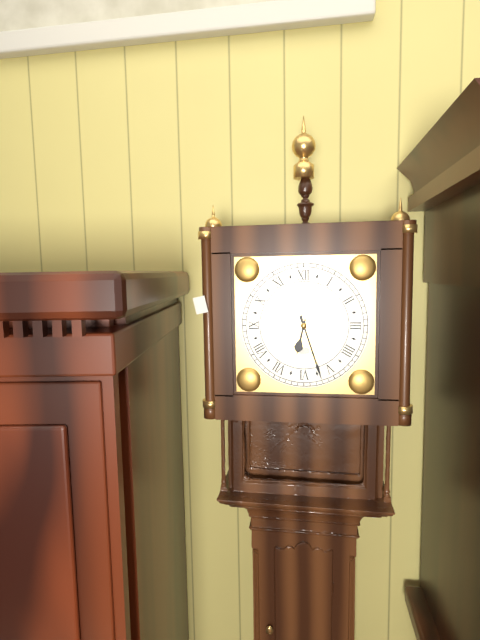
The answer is 6,27
